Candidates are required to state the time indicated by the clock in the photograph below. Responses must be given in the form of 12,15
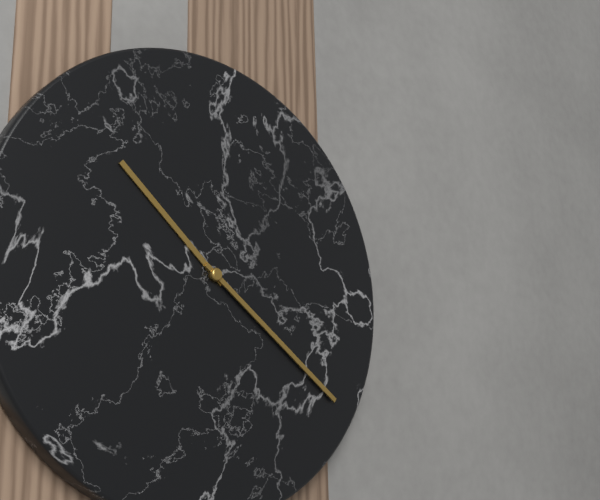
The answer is 10,21
